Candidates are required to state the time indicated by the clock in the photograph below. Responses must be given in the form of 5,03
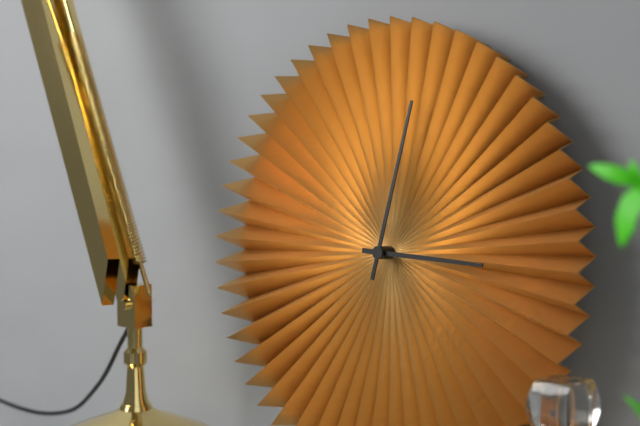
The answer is 3,02
